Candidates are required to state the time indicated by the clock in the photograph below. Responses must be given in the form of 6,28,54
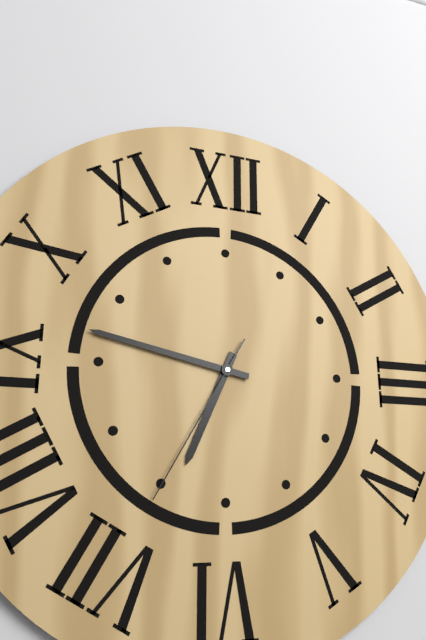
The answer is 6,47,35
